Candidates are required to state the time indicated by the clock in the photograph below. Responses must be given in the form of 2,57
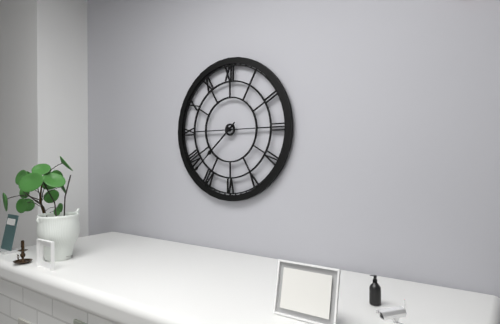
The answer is 7,38
